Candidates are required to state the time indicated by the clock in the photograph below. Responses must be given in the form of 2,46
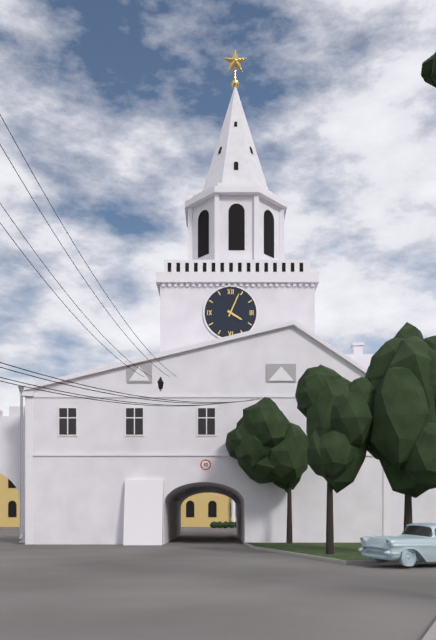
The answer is 4,04
